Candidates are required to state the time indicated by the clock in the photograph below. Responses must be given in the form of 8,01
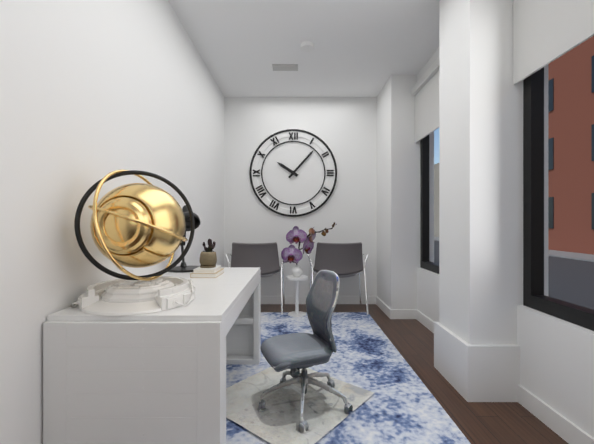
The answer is 10,07
